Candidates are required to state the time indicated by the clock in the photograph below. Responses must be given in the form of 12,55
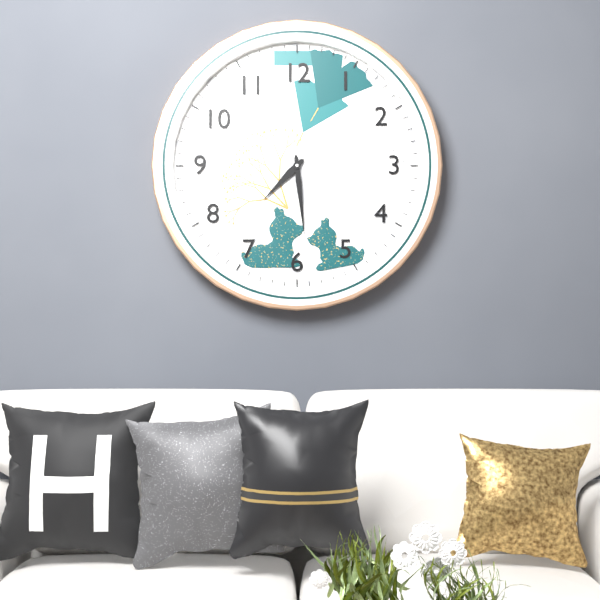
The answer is 7,29
